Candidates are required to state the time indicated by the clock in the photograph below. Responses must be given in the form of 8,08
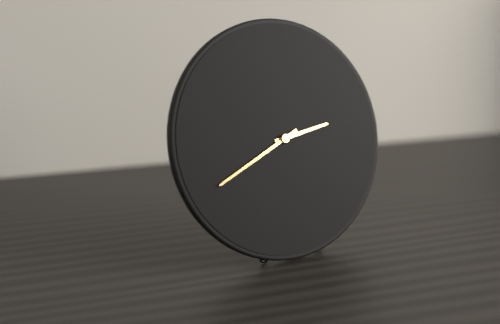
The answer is 2,41
